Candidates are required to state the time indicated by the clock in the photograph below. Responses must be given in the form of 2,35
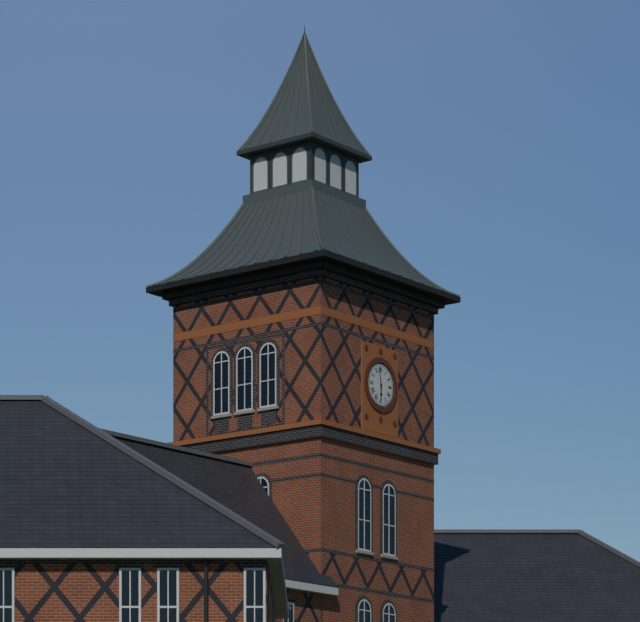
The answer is 5,58
